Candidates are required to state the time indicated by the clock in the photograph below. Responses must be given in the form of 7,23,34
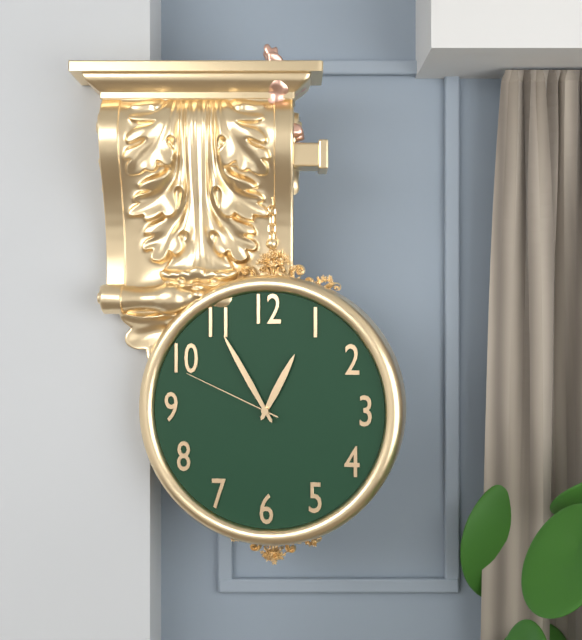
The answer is 12,55,49
